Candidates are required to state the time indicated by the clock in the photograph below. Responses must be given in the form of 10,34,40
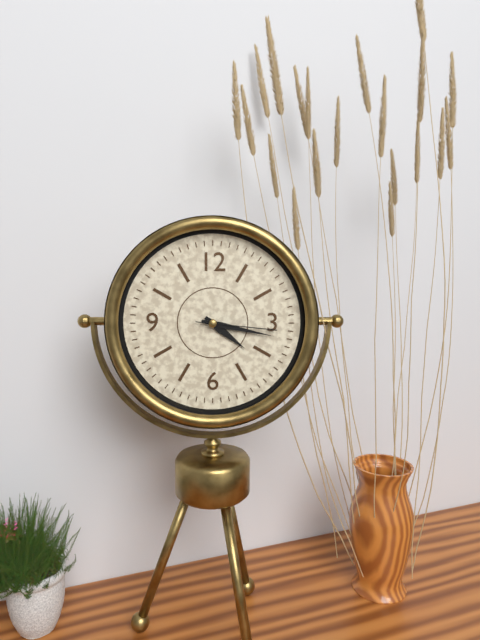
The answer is 4,17,16
